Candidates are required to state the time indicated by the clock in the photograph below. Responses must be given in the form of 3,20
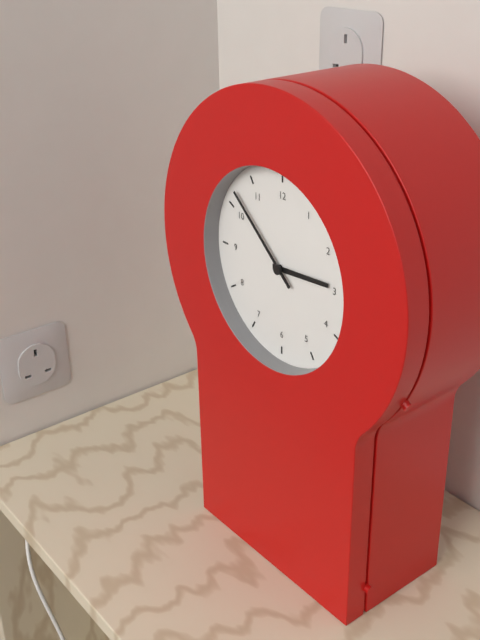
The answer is 2,52
